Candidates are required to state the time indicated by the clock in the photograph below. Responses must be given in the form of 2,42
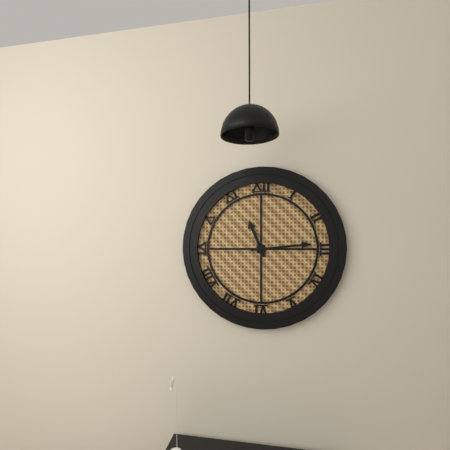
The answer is 11,14
